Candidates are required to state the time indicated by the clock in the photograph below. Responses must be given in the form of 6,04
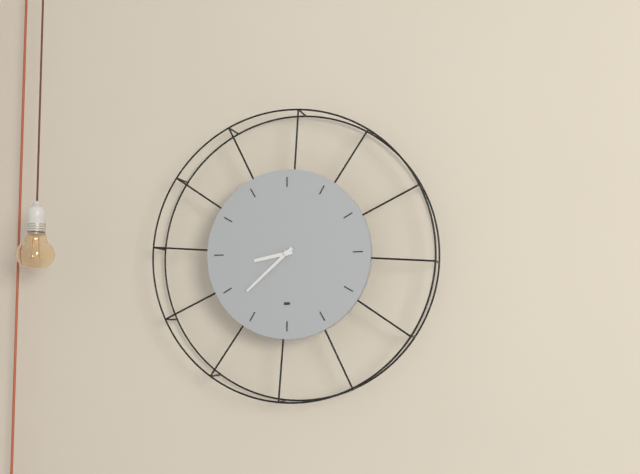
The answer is 8,38
